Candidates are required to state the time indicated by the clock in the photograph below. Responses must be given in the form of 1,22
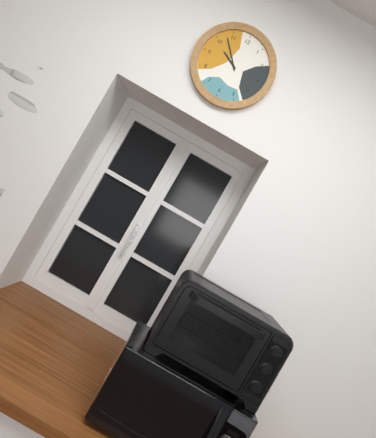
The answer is 9,53
